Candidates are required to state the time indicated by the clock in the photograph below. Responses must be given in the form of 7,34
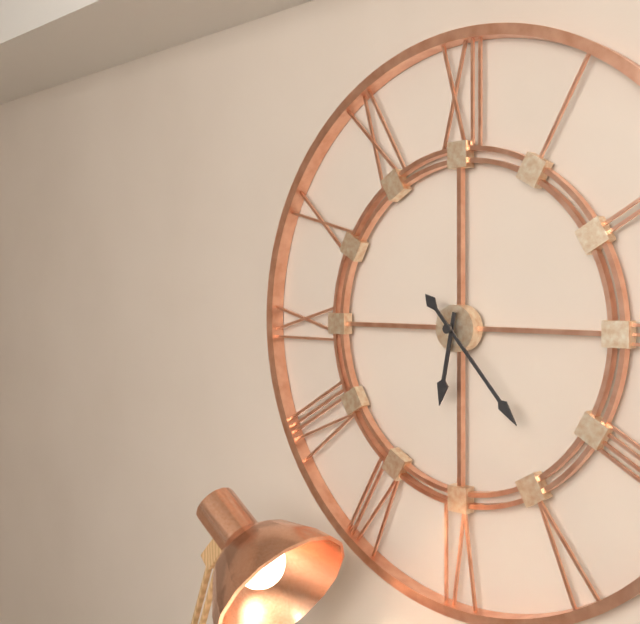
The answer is 6,23
